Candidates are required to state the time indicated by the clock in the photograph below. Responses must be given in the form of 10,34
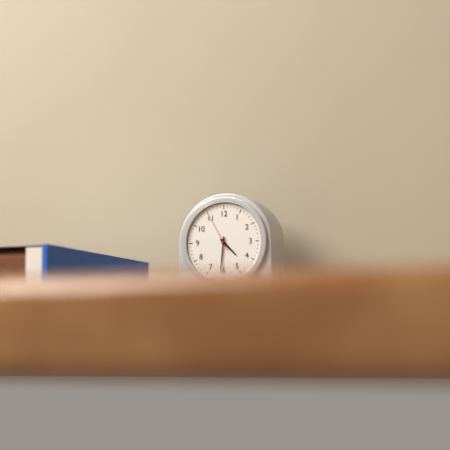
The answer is 4,31
